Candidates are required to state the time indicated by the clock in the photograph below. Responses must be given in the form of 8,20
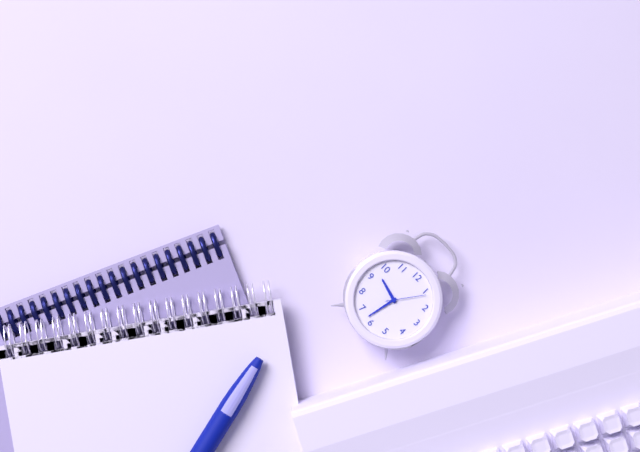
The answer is 9,32
